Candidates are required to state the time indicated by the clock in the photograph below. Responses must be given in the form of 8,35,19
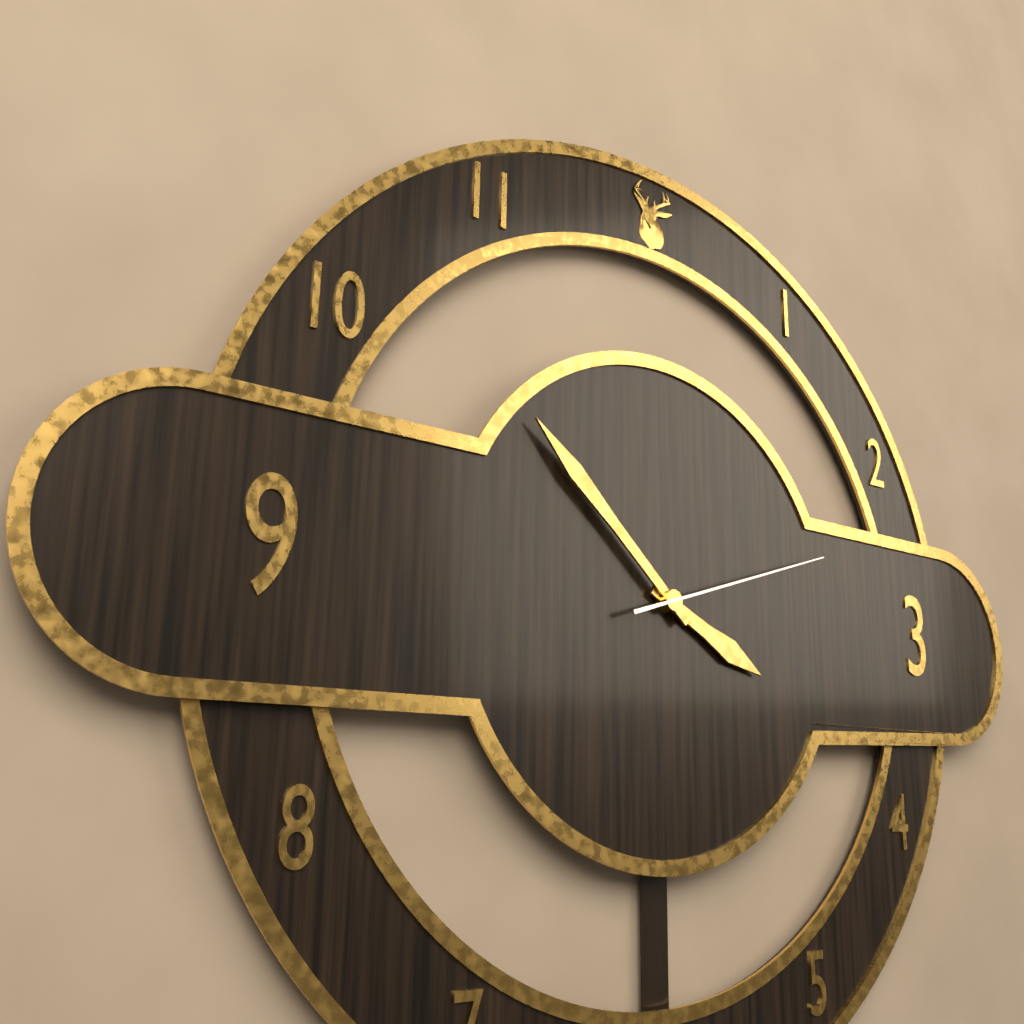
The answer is 3,52,12
